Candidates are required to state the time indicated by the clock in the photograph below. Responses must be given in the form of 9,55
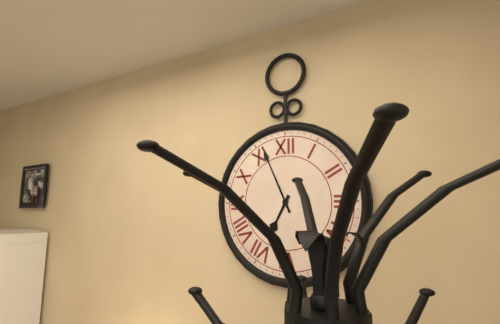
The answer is 6,56
